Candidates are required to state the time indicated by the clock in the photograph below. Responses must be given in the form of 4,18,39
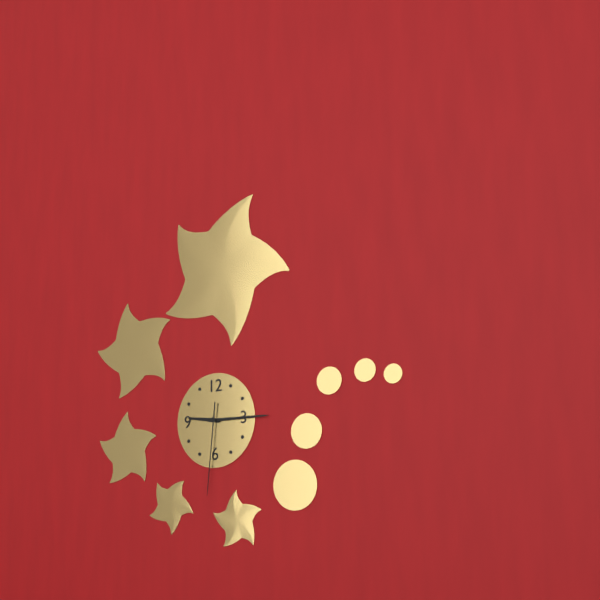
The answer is 9,15,31
